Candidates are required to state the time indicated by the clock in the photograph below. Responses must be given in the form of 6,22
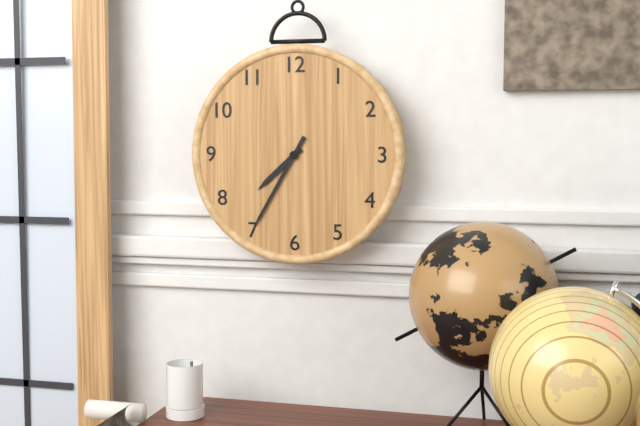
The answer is 7,35
